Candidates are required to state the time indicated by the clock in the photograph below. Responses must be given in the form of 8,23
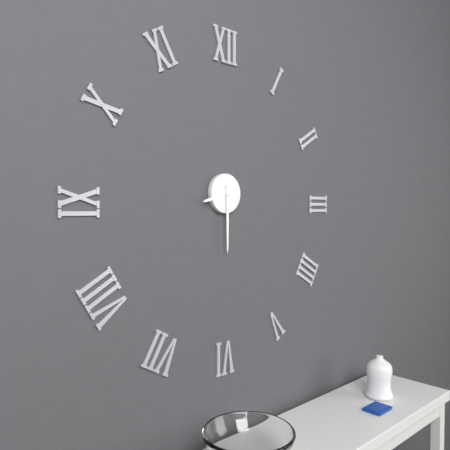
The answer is 8,30
